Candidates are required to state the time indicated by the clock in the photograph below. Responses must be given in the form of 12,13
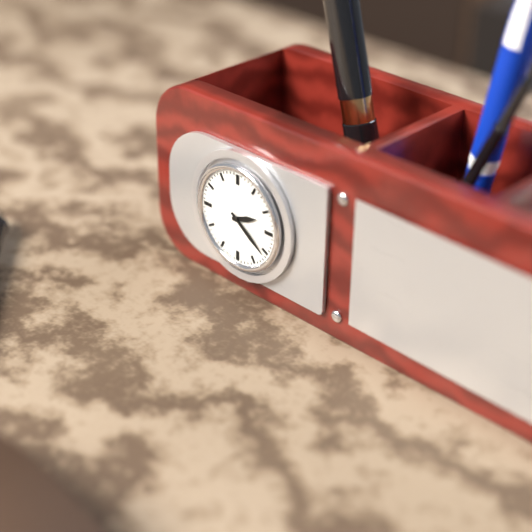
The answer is 2,21
